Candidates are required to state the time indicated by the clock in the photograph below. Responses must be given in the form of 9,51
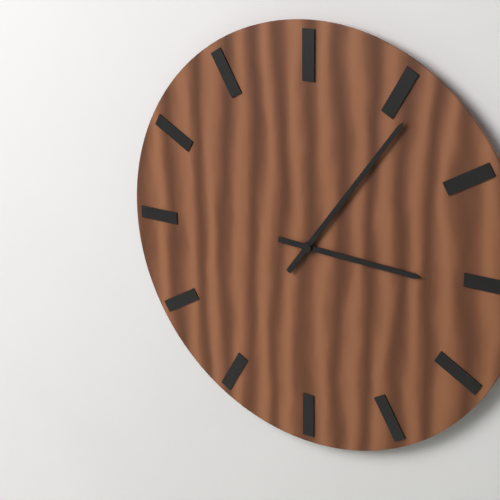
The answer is 3,06
